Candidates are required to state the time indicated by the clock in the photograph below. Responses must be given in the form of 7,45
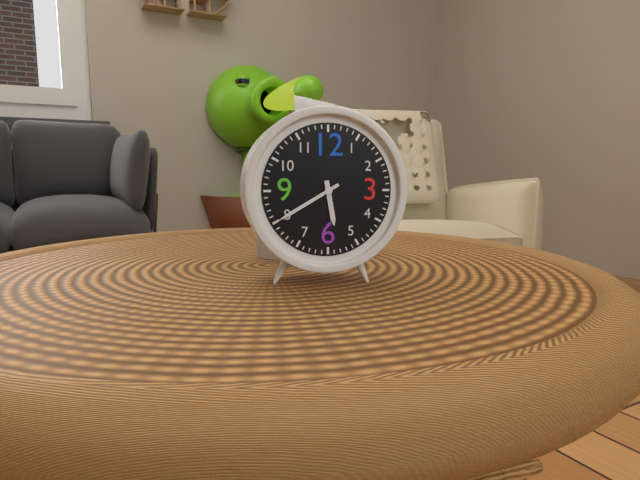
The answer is 5,40
